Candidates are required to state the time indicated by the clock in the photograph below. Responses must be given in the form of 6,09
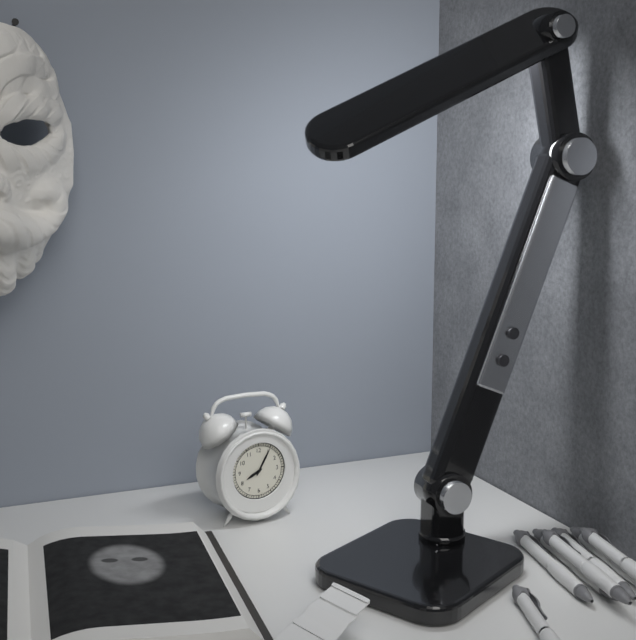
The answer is 8,05
